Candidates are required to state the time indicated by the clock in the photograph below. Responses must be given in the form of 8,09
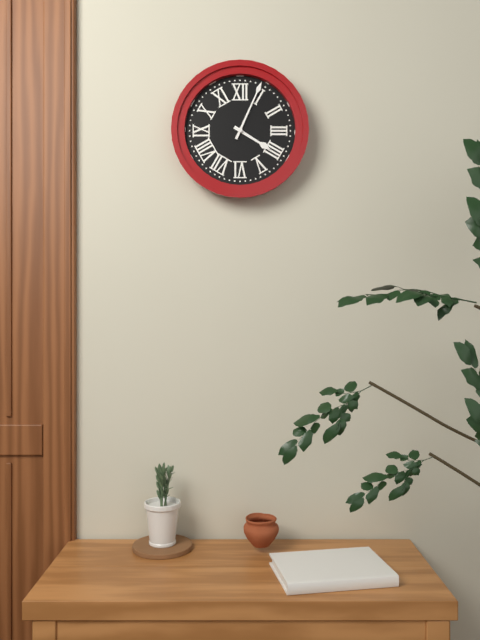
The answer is 4,04
